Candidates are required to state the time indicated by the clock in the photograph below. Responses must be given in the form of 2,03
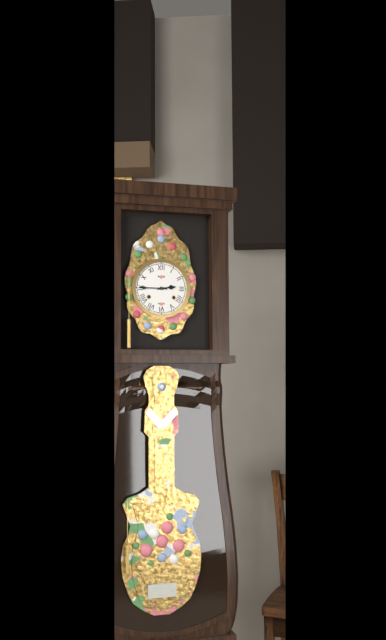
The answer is 2,45
